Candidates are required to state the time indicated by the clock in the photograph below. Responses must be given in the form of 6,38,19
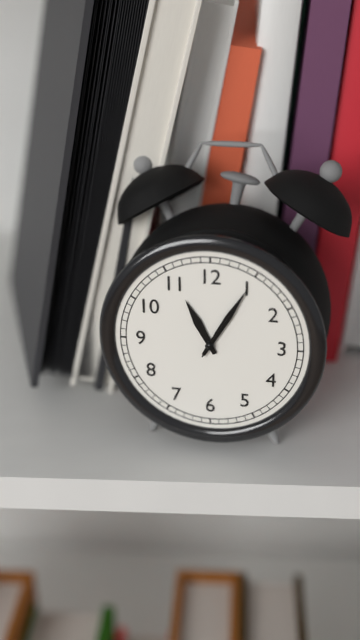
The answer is 11,05,05
